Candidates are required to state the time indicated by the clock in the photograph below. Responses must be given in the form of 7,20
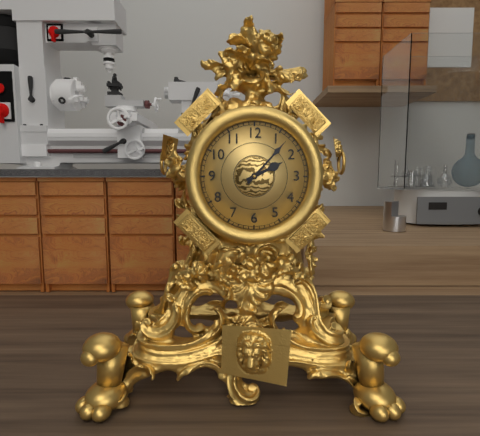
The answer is 2,07
